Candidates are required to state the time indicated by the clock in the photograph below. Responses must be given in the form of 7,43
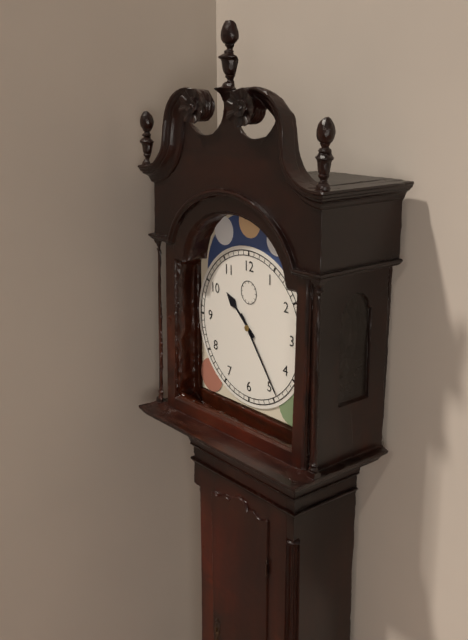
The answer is 10,24
